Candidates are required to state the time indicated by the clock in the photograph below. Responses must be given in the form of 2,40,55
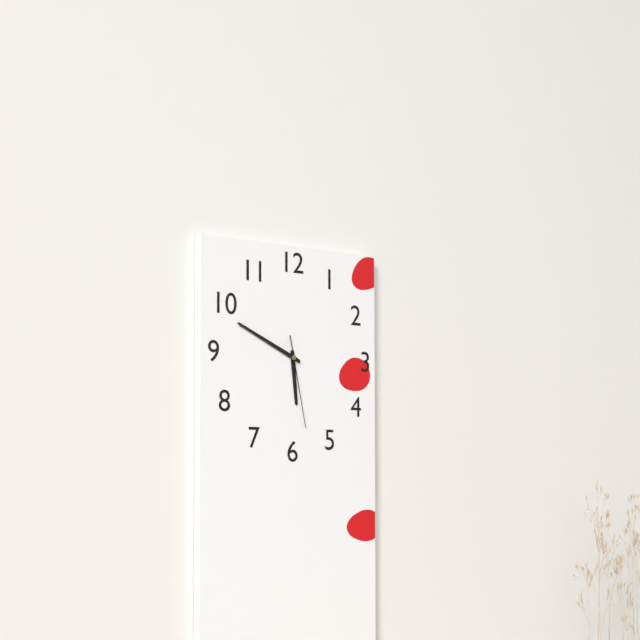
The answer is 5,49,28
